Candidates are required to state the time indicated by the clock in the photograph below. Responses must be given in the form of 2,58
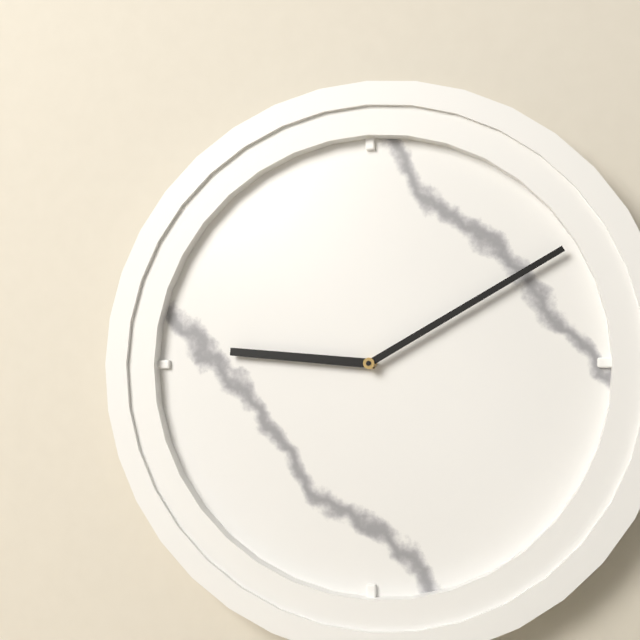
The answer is 9,10
